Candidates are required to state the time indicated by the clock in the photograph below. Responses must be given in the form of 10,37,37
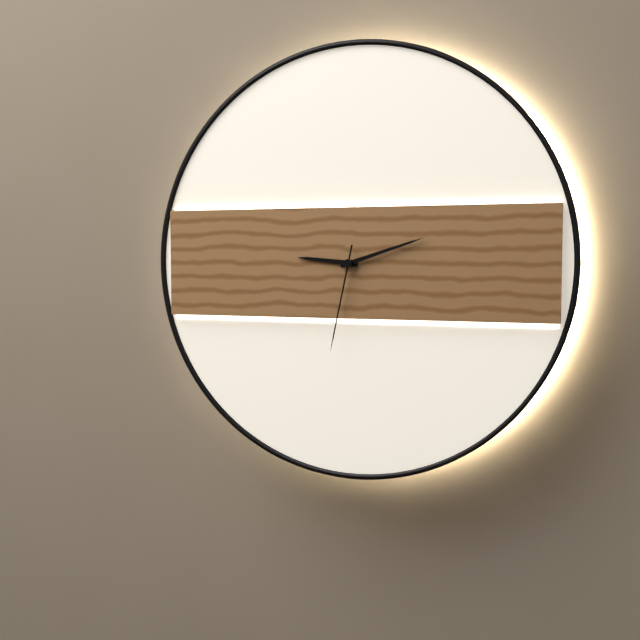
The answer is 9,12,32
